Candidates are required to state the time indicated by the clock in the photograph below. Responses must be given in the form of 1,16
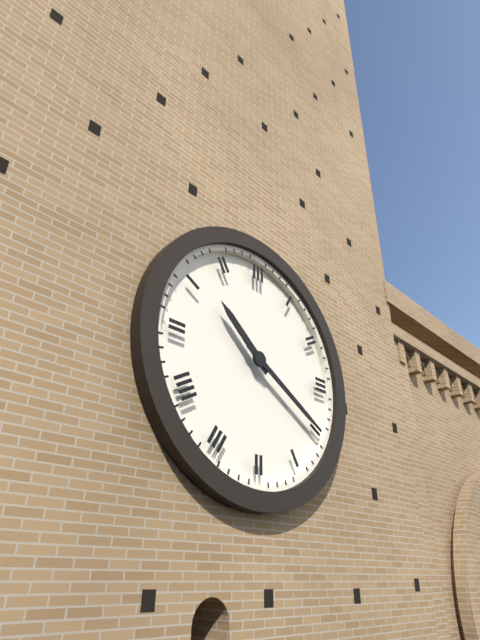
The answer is 10,20
